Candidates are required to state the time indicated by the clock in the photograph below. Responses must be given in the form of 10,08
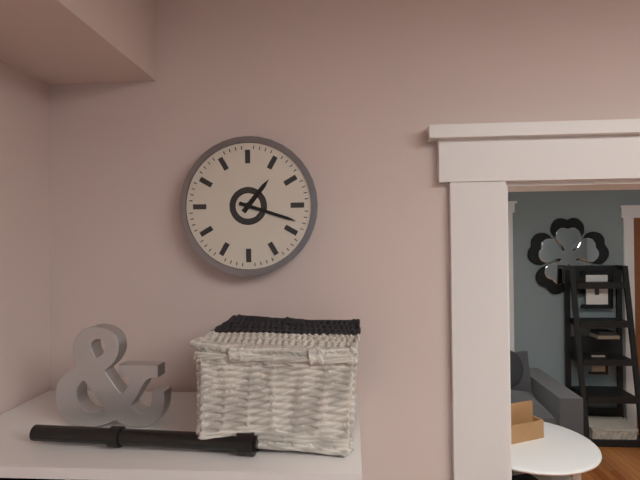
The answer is 1,18
